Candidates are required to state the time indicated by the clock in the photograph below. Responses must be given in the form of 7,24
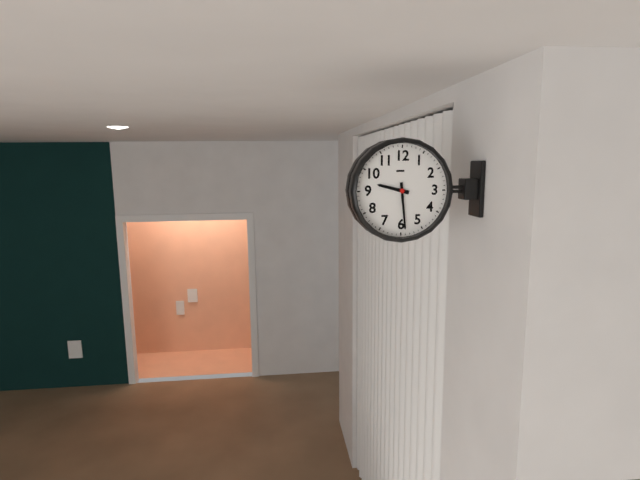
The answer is 9,29
